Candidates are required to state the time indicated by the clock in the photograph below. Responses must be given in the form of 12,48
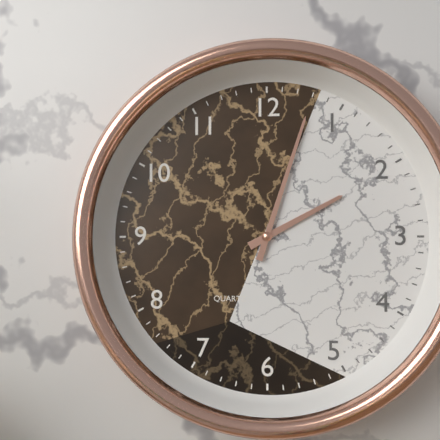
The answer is 2,03
